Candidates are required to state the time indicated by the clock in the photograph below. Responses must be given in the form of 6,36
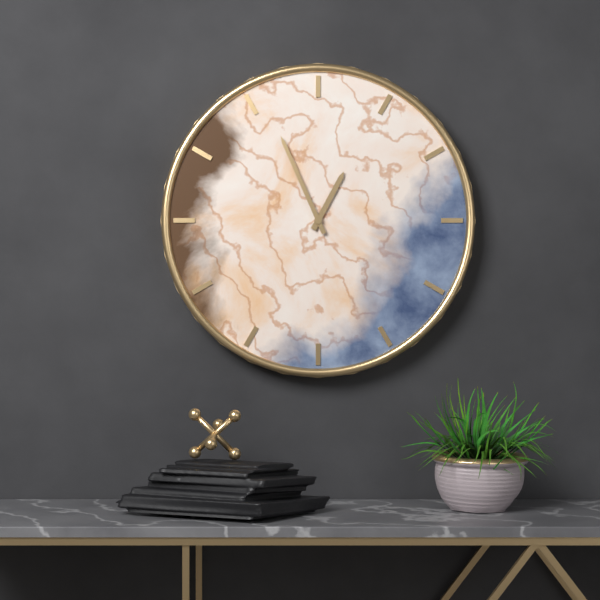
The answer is 12,56
